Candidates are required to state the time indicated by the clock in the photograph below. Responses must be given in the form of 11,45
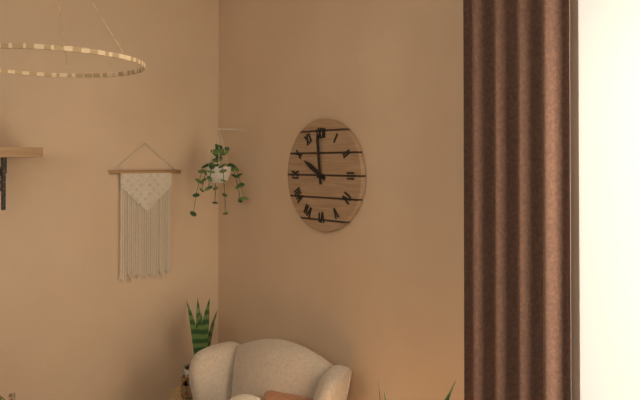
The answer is 9,59
